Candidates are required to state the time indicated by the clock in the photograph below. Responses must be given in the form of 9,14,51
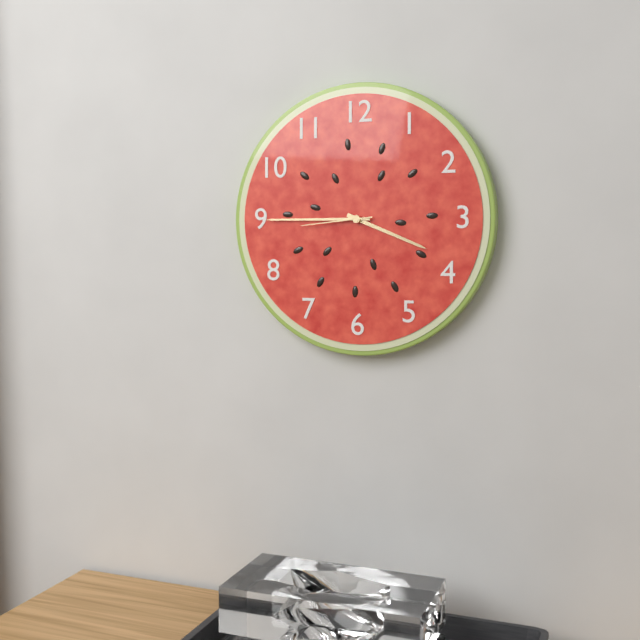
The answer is 3,45,44
